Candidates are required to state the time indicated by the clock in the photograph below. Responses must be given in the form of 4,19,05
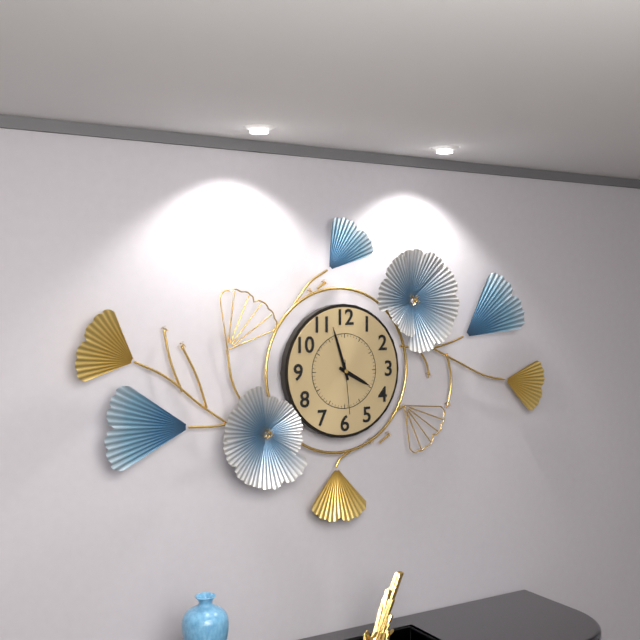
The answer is 3,57,29
